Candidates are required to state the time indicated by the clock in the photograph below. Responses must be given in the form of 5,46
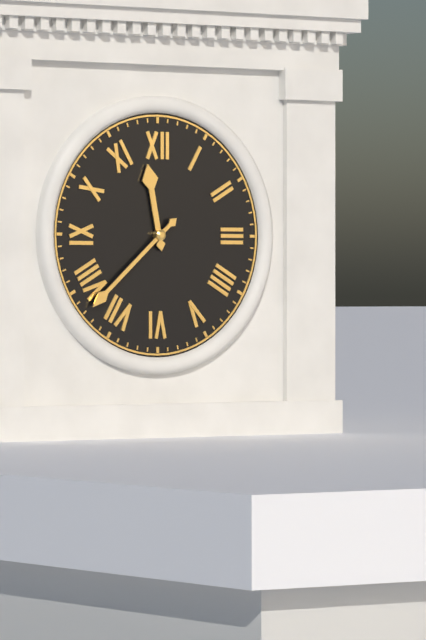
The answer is 11,38
